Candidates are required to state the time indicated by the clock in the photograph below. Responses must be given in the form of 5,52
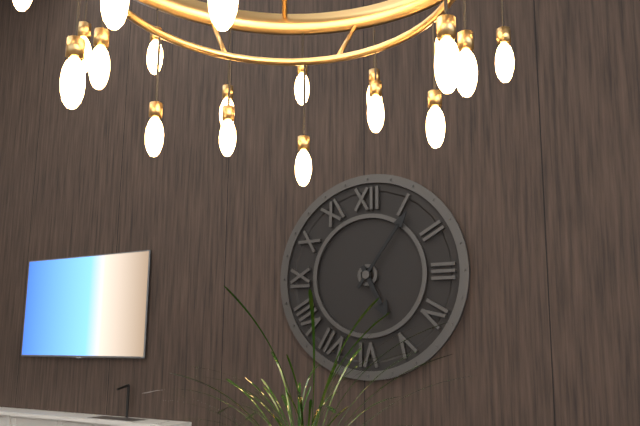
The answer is 5,06
